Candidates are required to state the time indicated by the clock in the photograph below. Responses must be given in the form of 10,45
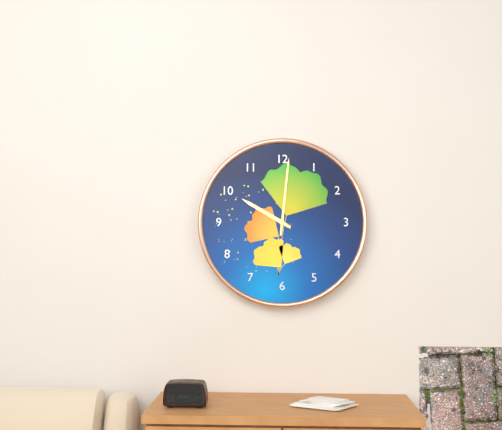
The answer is 10,01
